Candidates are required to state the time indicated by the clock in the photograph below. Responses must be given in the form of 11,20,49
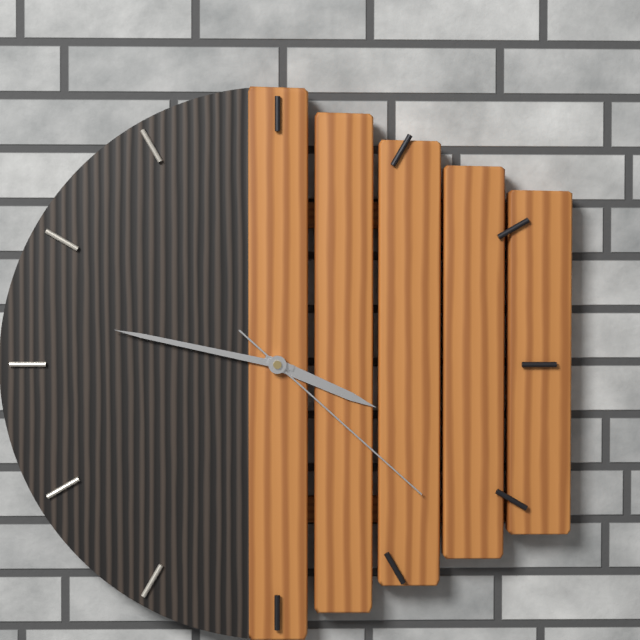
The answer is 3,47,22
